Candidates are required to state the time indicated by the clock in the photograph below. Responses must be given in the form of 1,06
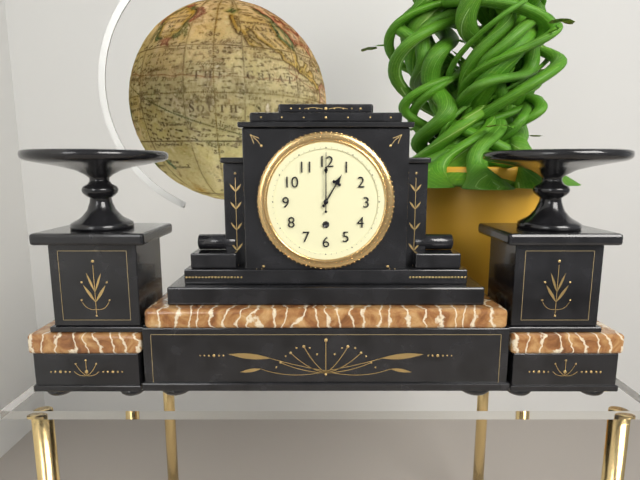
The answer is 1,00
